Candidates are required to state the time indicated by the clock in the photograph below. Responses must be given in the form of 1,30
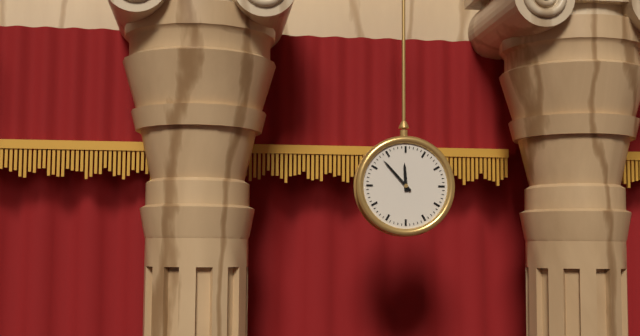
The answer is 11,53
